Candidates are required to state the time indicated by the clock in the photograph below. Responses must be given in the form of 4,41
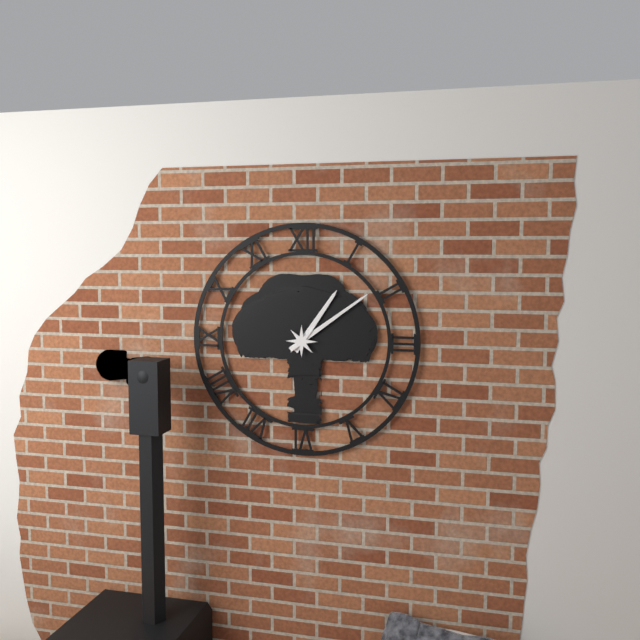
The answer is 1,09
